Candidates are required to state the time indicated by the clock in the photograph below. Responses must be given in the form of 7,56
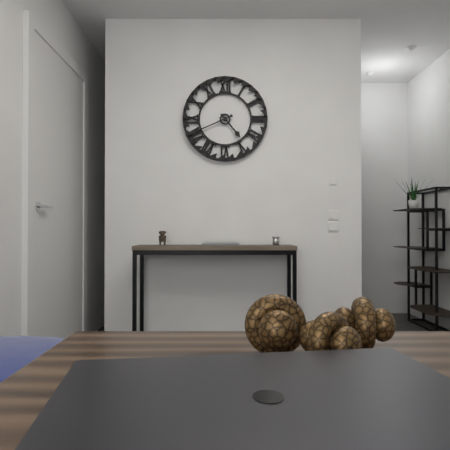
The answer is 4,41
